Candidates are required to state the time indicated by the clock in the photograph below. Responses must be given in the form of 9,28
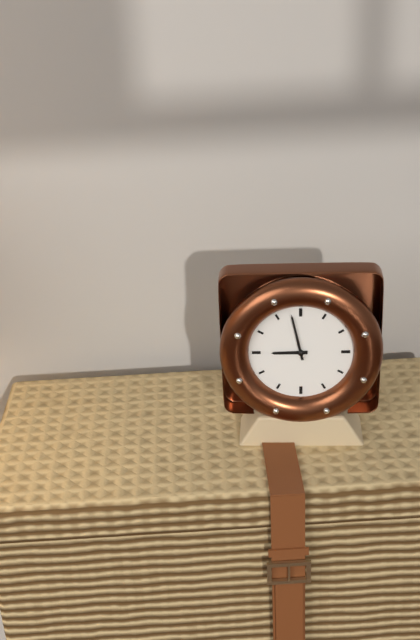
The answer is 8,58
